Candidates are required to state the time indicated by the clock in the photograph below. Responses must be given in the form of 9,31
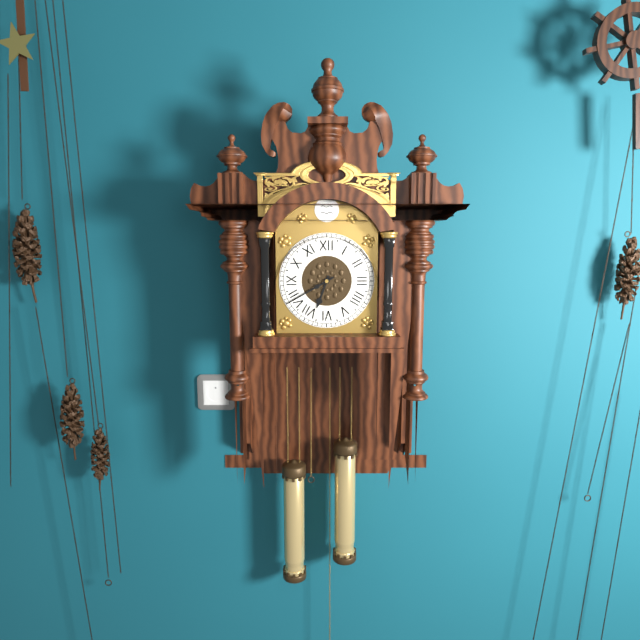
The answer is 6,40
